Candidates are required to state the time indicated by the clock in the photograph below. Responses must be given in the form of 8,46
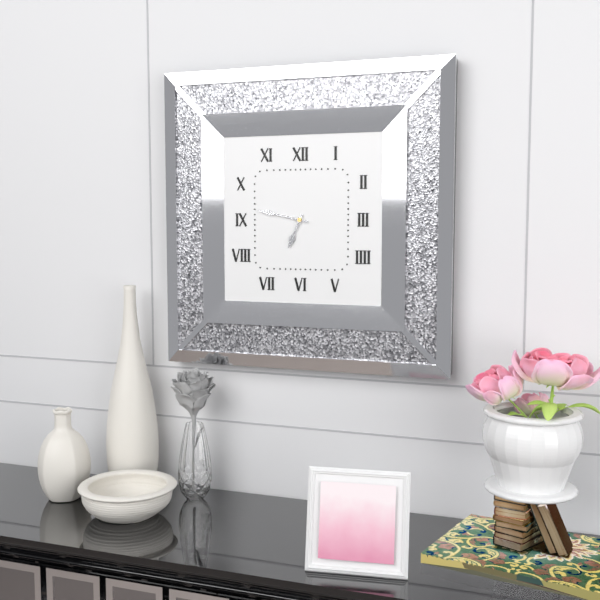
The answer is 6,47
